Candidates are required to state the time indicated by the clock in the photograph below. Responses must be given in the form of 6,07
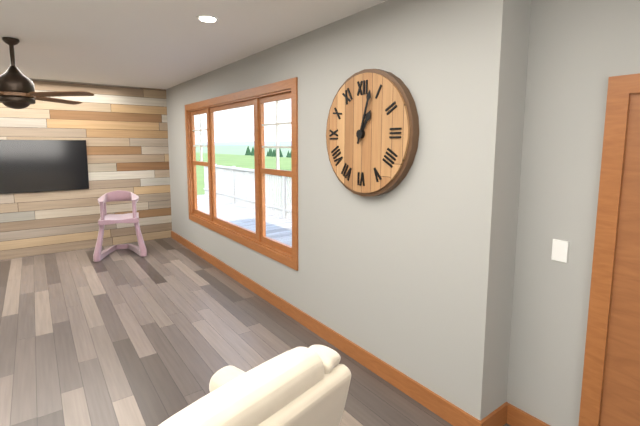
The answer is 1,03
